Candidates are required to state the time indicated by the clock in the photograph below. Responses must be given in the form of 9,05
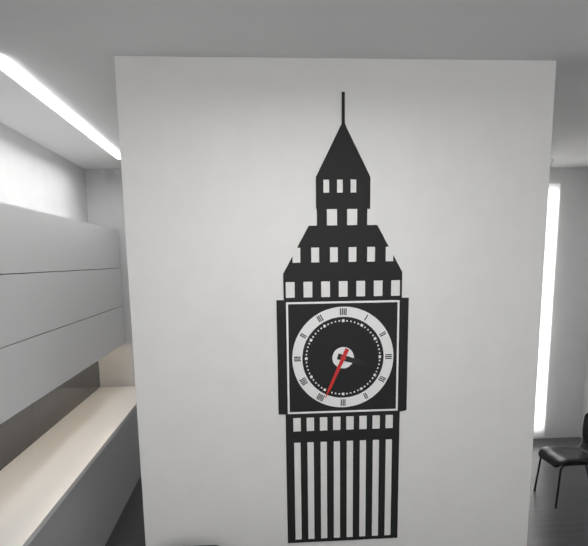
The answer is 3,34
